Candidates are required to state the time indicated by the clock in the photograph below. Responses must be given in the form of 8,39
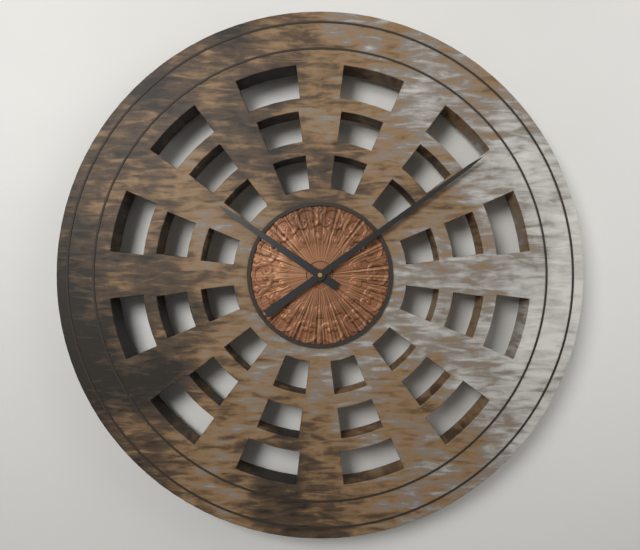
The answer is 10,09
